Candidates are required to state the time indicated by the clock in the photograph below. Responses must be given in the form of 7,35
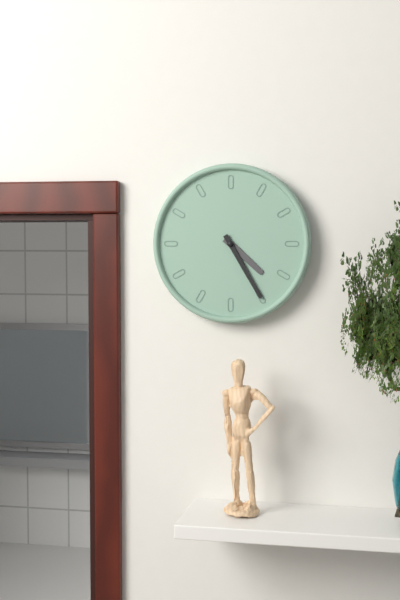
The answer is 4,25
